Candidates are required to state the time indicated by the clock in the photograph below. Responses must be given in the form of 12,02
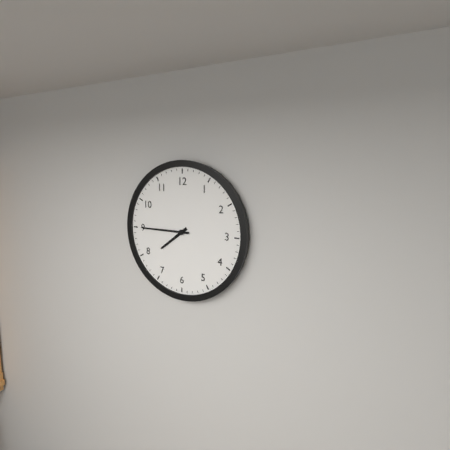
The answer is 7,45
